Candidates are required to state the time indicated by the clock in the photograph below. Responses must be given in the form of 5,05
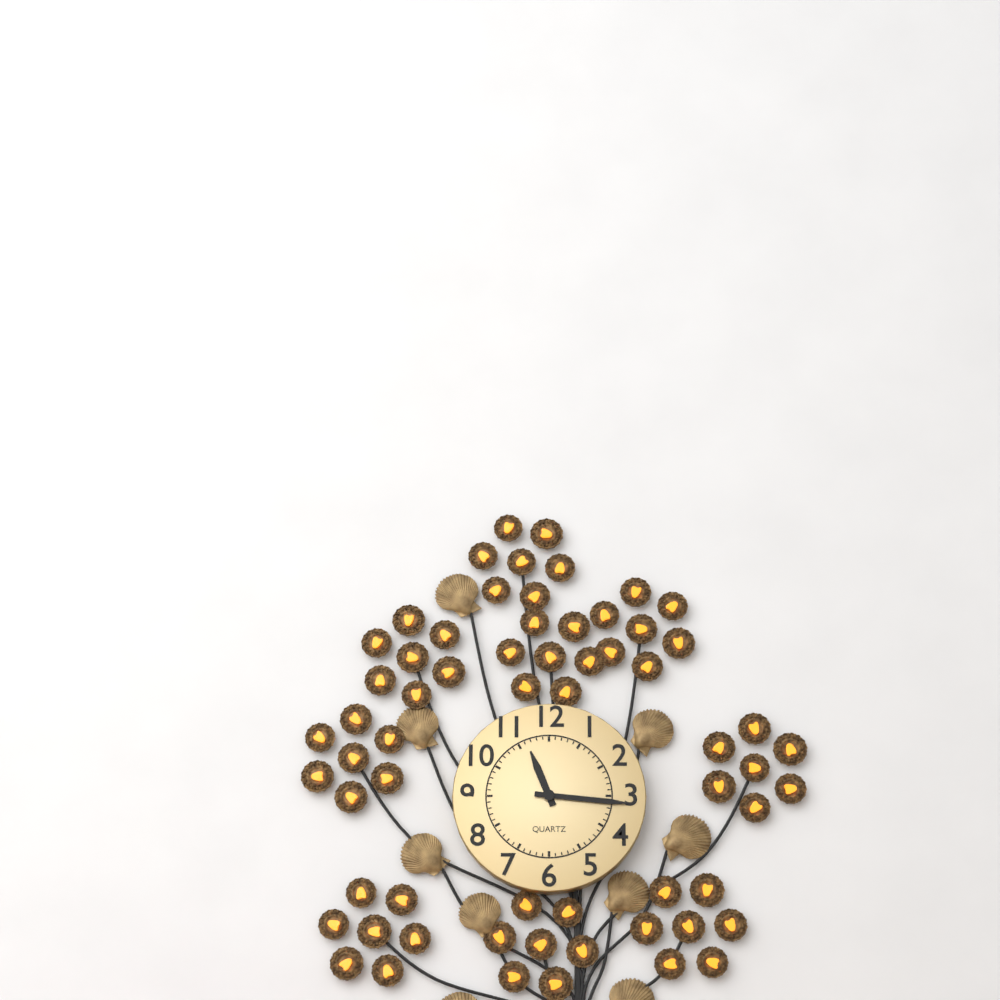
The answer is 11,16
